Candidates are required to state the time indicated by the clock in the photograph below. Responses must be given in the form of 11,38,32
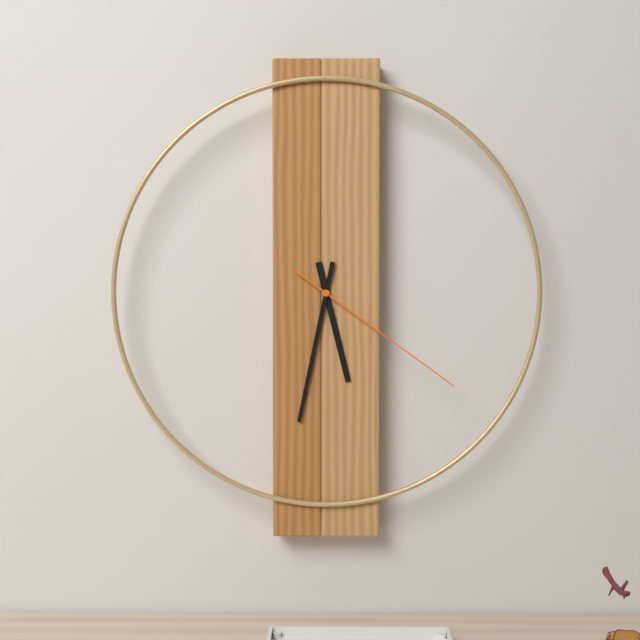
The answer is 5,32,21
